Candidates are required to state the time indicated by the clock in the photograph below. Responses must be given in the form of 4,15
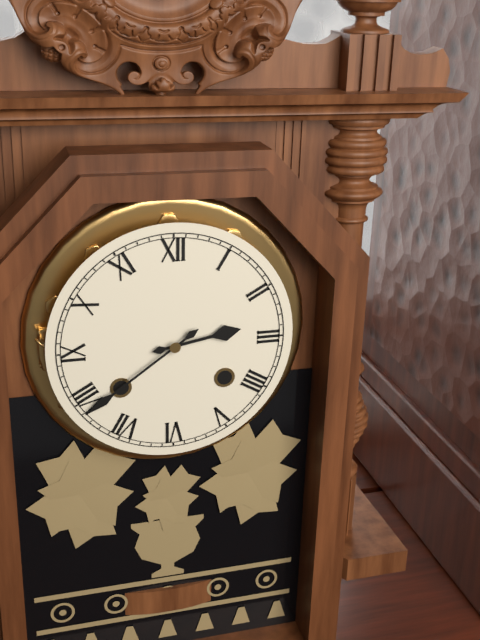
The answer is 2,39
